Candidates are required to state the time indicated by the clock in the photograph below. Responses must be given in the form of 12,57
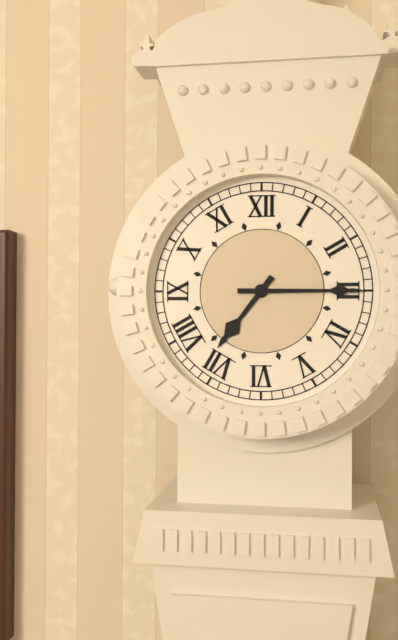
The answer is 7,15
